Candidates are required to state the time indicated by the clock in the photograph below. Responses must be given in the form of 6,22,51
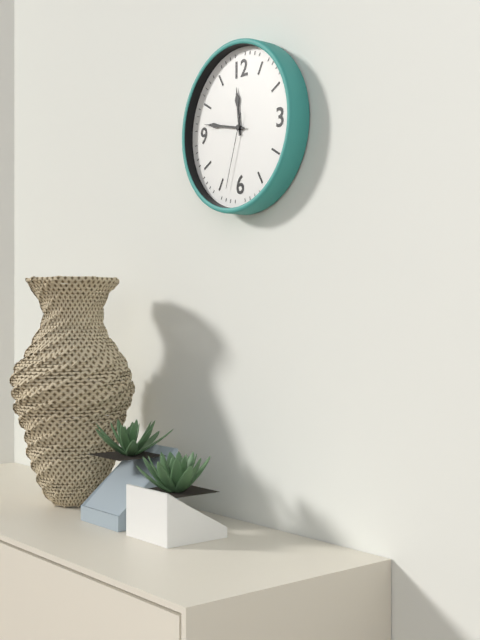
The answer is 11,47,33
